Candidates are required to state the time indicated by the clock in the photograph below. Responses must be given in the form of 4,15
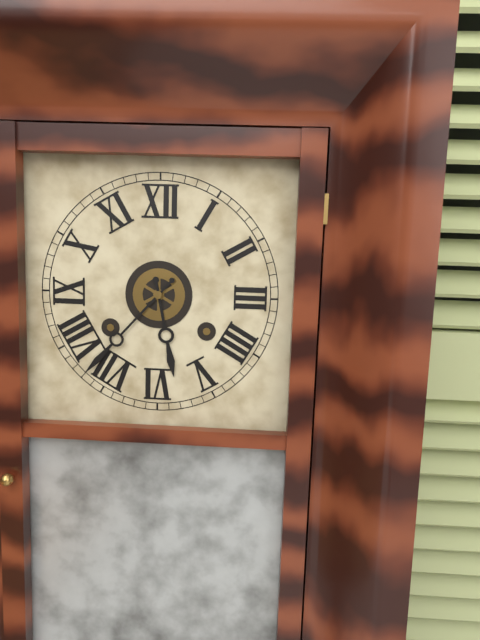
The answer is 5,37
